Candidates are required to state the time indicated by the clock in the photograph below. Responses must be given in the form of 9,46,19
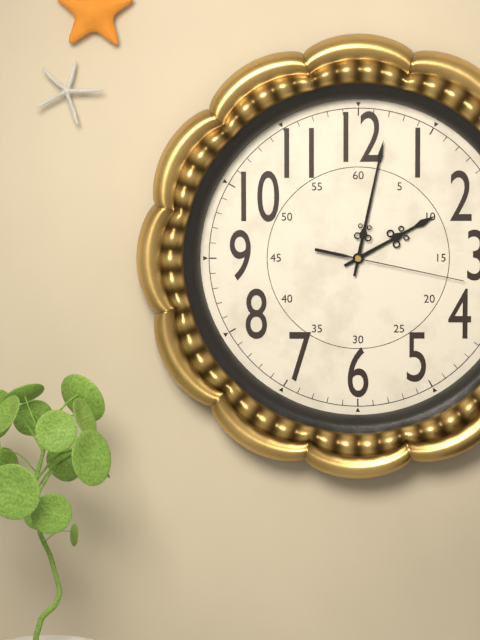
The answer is 2,02,17
